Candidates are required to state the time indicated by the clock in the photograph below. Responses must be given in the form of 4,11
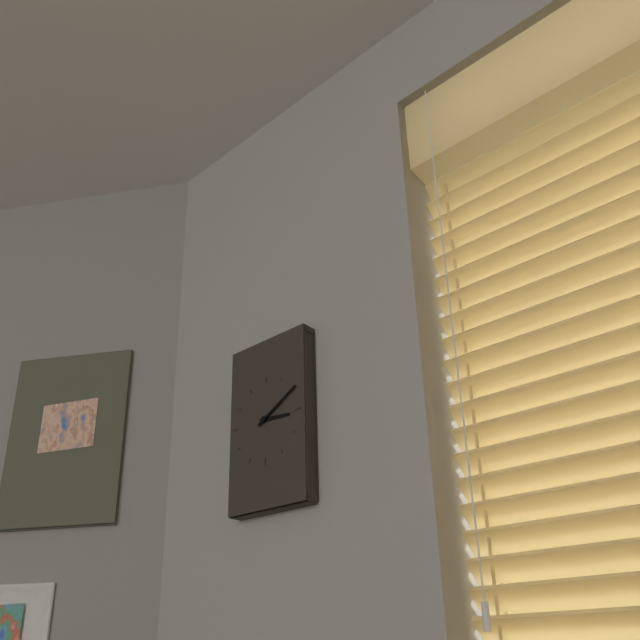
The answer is 3,10
